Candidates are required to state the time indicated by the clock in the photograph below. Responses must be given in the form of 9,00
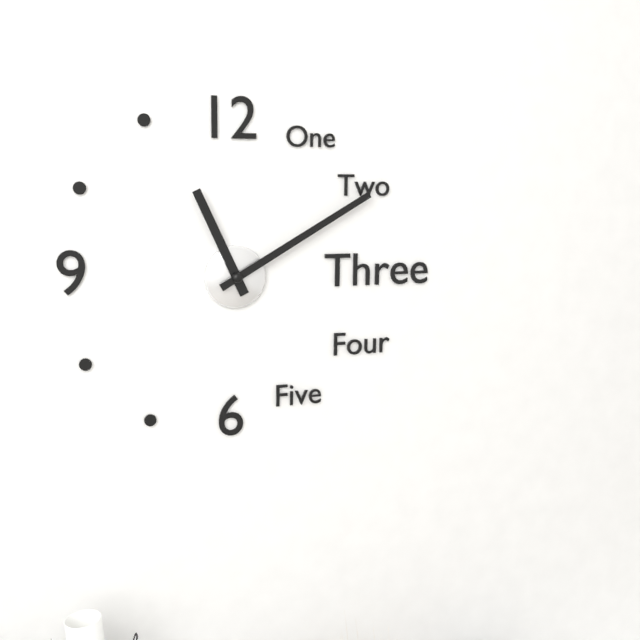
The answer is 11,10
